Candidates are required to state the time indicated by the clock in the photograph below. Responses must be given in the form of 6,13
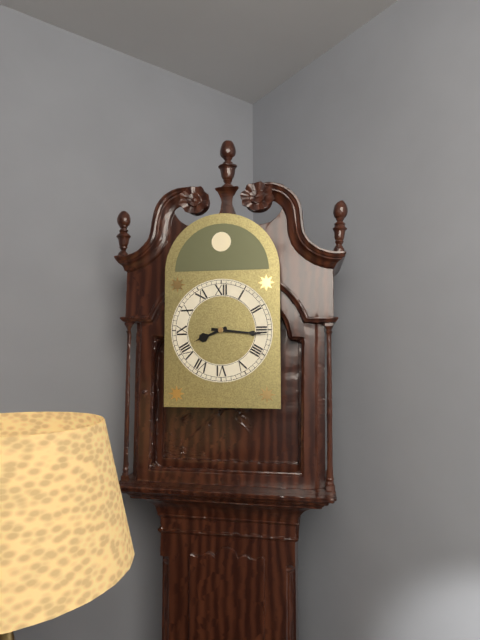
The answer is 8,16
